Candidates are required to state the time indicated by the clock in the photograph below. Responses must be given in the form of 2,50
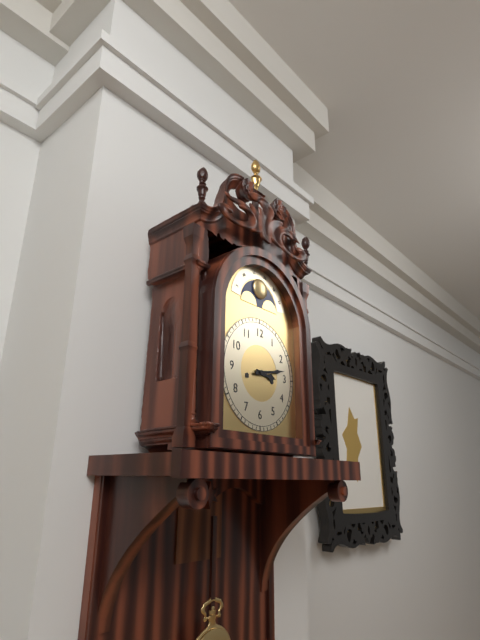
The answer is 3,13
